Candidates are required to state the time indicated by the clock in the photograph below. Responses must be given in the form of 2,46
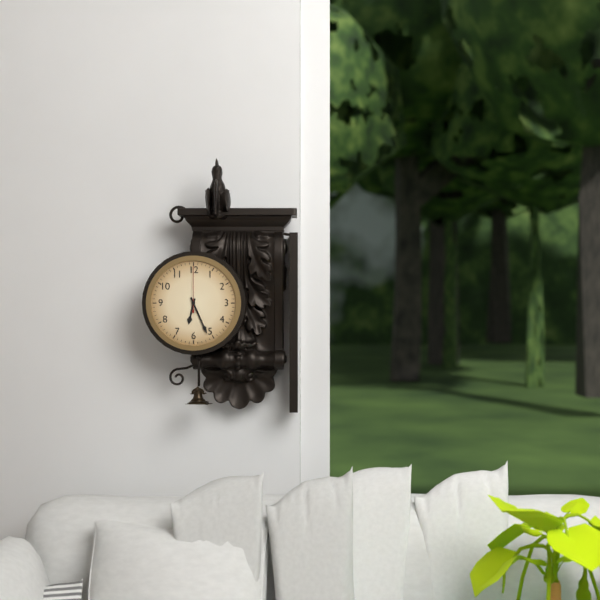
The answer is 6,26
